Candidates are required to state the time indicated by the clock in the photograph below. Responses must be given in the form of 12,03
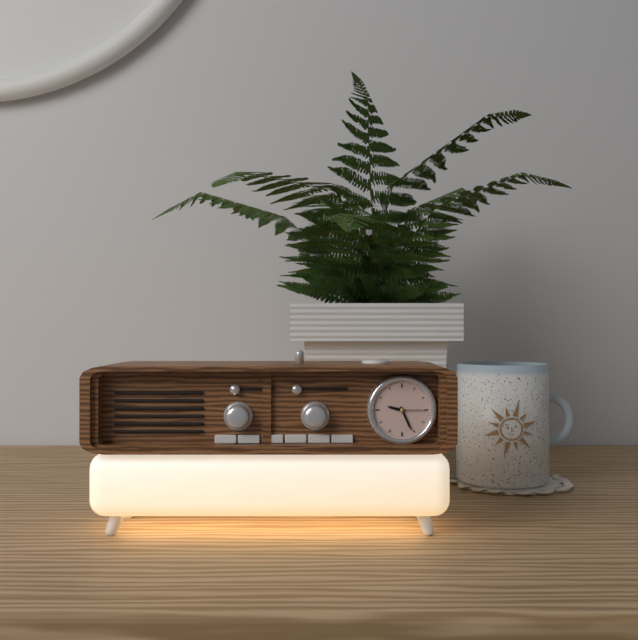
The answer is 9,26
